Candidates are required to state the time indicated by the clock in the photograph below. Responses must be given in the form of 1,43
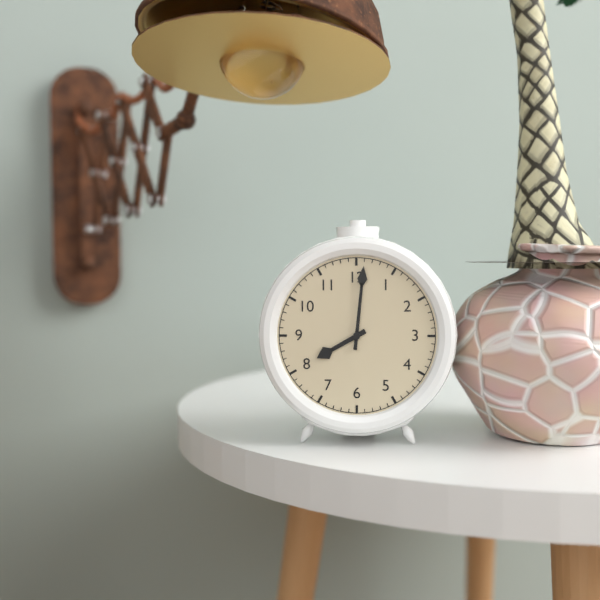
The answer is 8,01
